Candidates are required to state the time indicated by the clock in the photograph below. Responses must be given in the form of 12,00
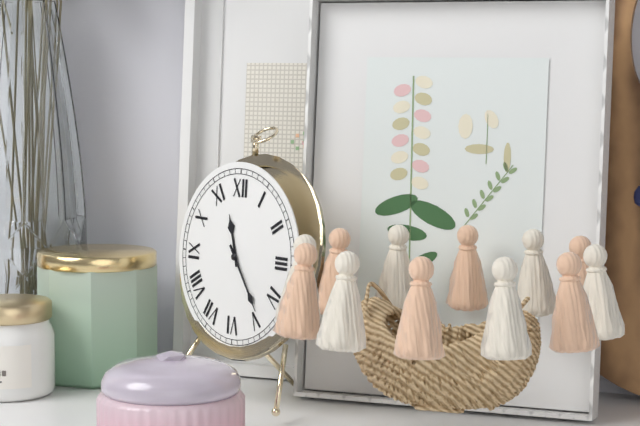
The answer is 11,24
